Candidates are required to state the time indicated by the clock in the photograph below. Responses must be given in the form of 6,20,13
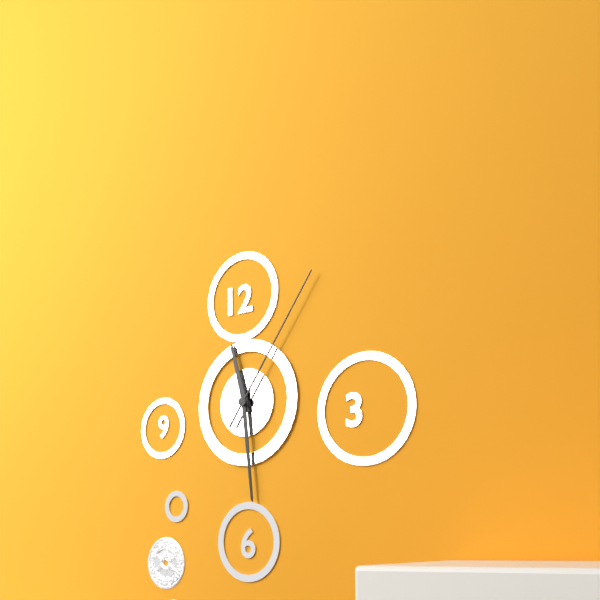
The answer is 11,29,06
